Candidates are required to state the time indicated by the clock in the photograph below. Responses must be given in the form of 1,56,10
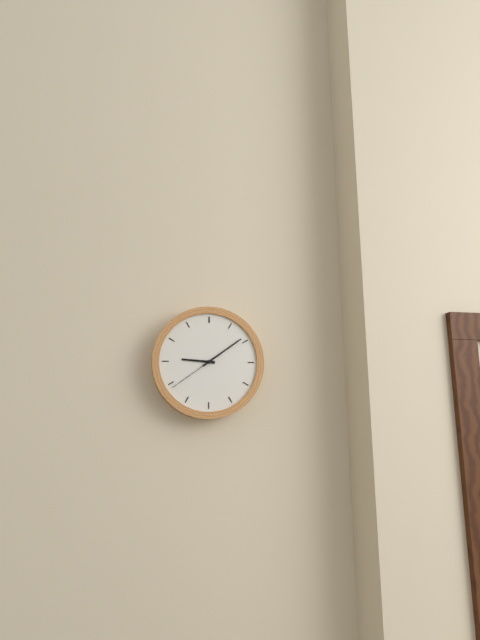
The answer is 9,09,39
